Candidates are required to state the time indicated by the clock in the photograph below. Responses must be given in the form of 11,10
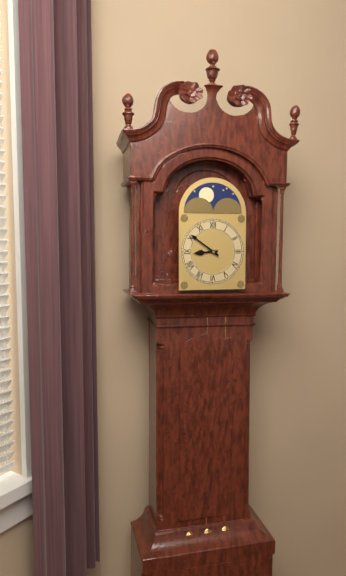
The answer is 8,51
